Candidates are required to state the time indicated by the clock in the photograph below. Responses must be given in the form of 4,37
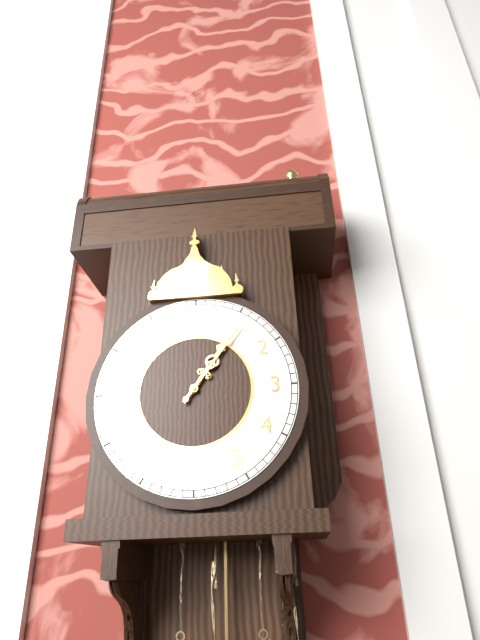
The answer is 1,06
